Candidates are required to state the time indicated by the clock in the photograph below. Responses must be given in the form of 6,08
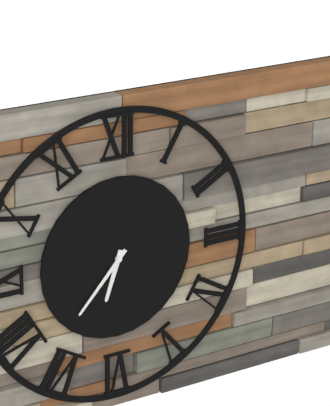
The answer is 6,37
